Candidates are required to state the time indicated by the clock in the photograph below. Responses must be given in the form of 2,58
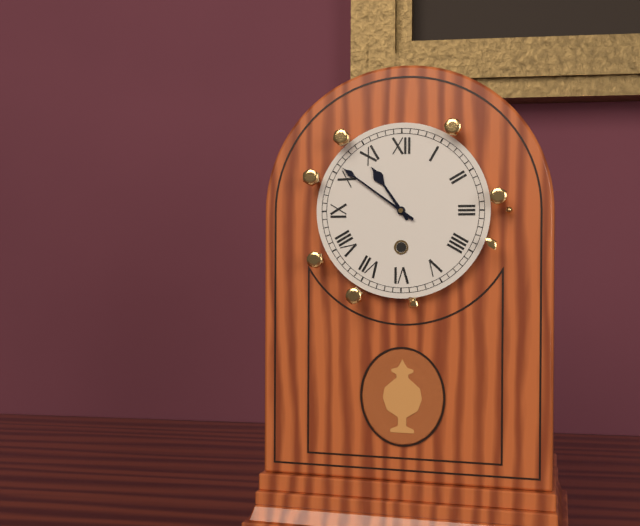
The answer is 10,51
